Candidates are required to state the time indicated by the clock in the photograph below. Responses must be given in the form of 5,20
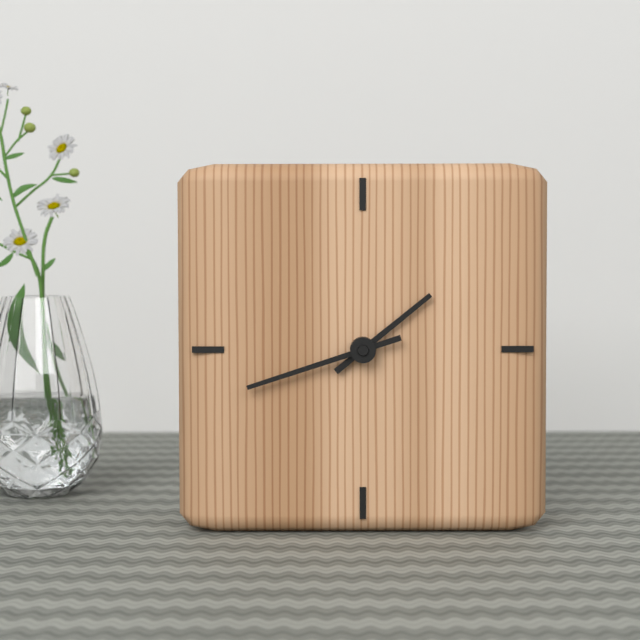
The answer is 1,42
